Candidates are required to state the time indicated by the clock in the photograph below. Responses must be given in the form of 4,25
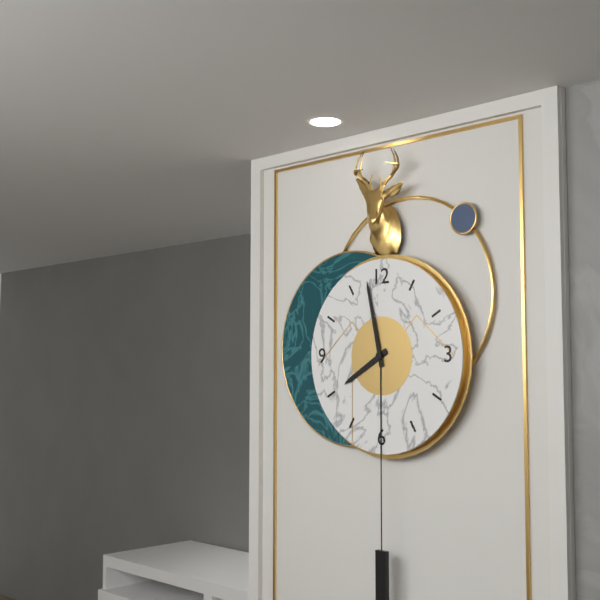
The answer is 7,58
